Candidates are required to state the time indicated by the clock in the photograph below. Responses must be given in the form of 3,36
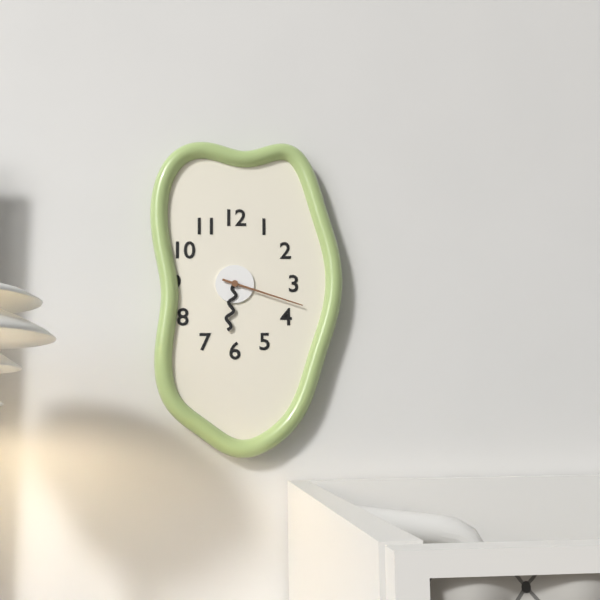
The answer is 6,18
